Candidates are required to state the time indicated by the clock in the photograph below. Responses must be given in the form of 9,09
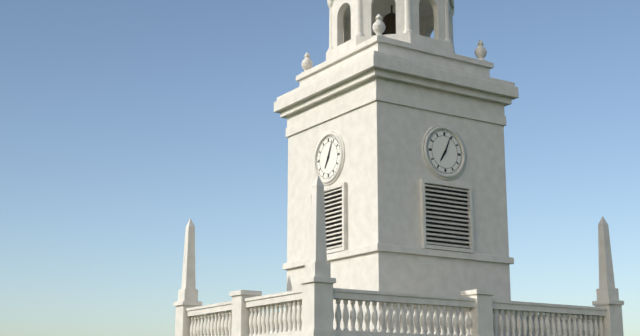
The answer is 7,04
